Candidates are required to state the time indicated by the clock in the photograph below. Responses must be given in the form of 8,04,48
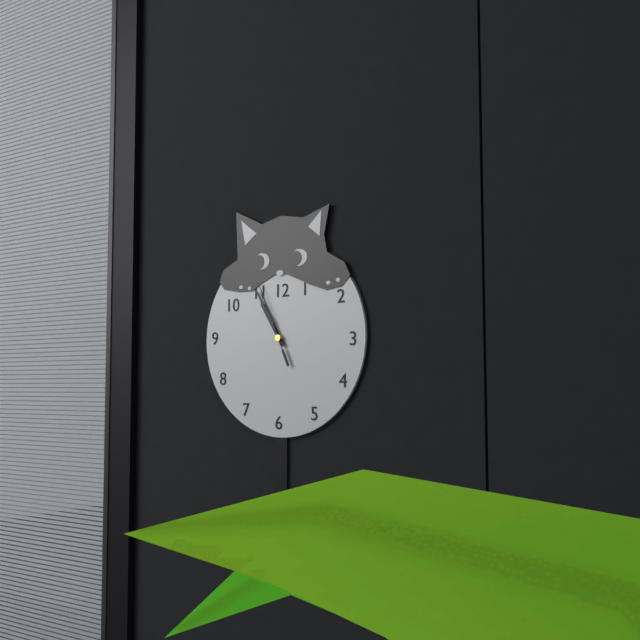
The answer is 10,55,56
